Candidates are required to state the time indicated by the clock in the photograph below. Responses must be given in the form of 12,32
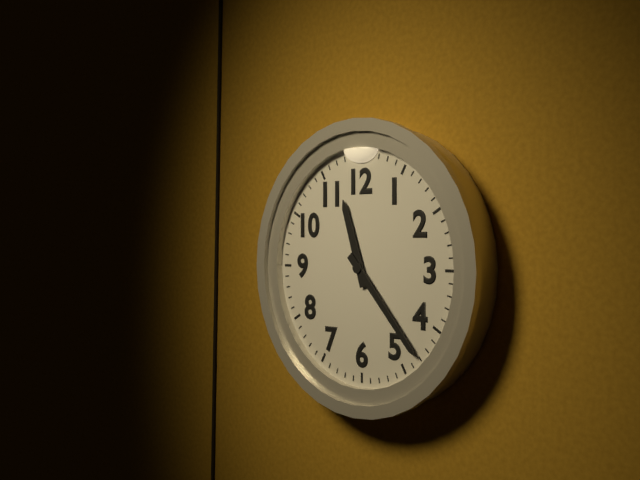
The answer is 11,23
